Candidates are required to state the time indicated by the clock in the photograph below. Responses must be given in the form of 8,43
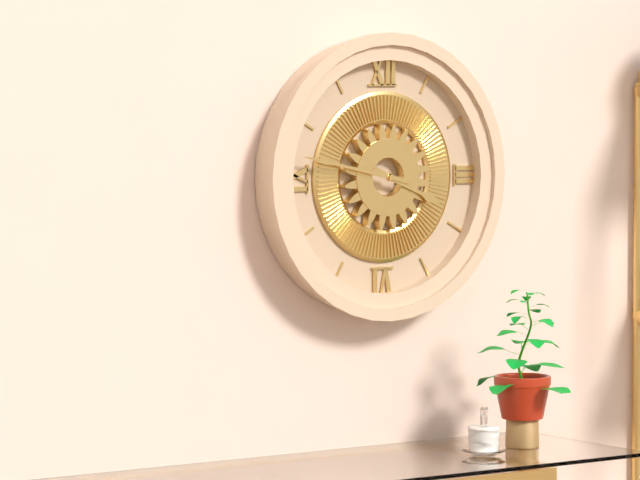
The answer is 3,47
